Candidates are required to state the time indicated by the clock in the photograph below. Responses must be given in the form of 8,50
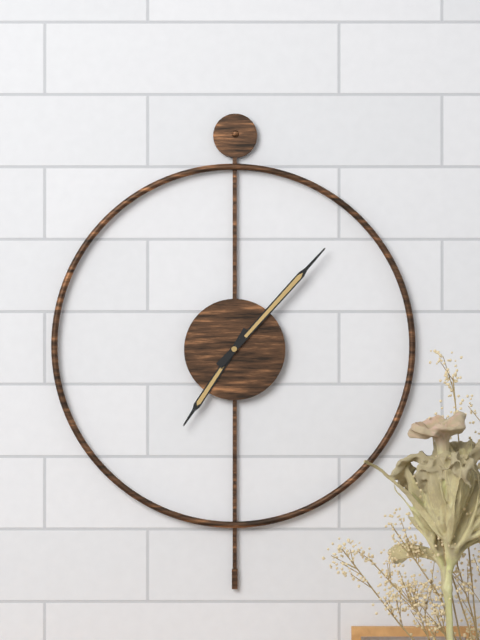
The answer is 7,07
